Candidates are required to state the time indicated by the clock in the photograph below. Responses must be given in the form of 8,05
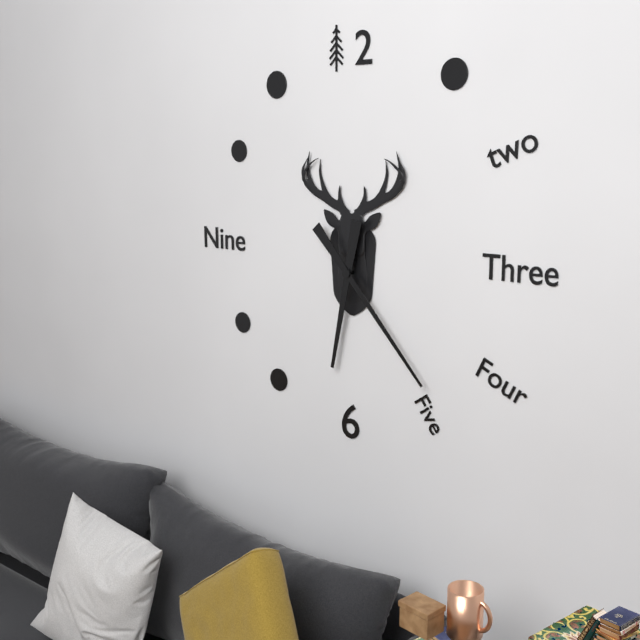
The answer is 6,23
